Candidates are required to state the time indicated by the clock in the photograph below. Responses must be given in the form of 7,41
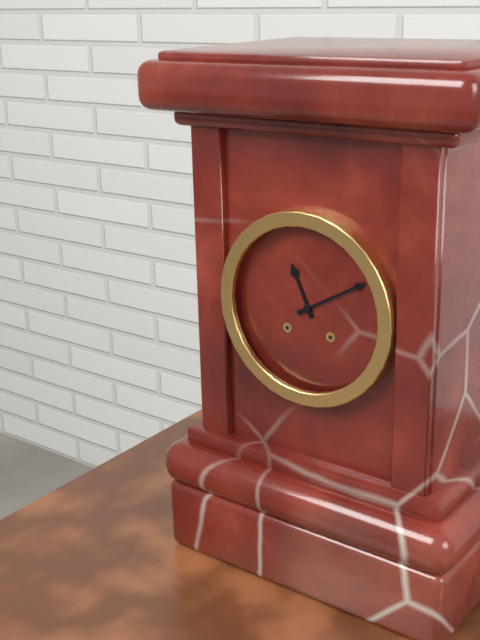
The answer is 11,10
